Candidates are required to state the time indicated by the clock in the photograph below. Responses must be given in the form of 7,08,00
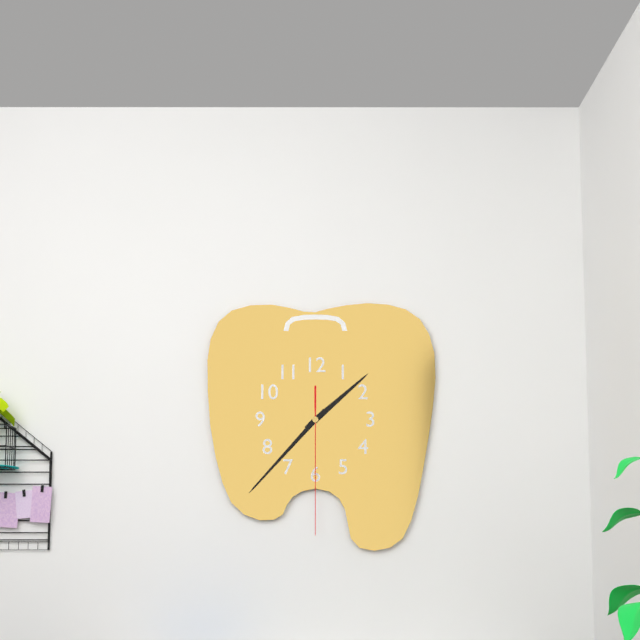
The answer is 1,37,30
